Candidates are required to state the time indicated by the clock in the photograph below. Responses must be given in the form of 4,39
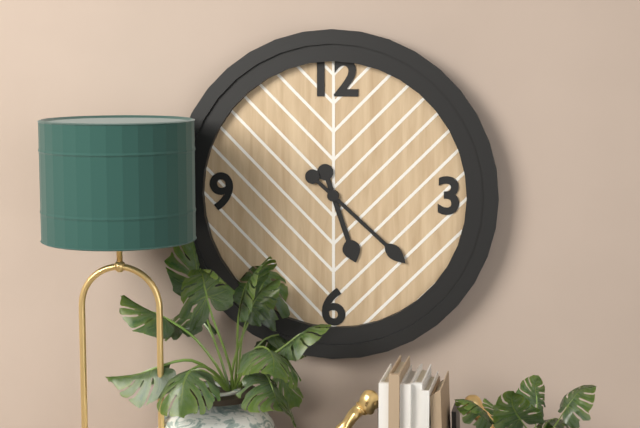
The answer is 5,22
